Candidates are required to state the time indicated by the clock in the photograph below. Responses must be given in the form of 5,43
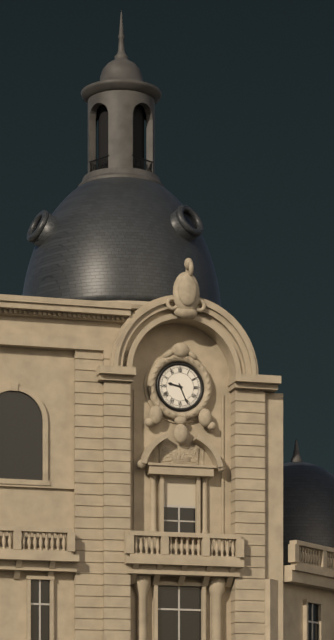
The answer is 9,26
